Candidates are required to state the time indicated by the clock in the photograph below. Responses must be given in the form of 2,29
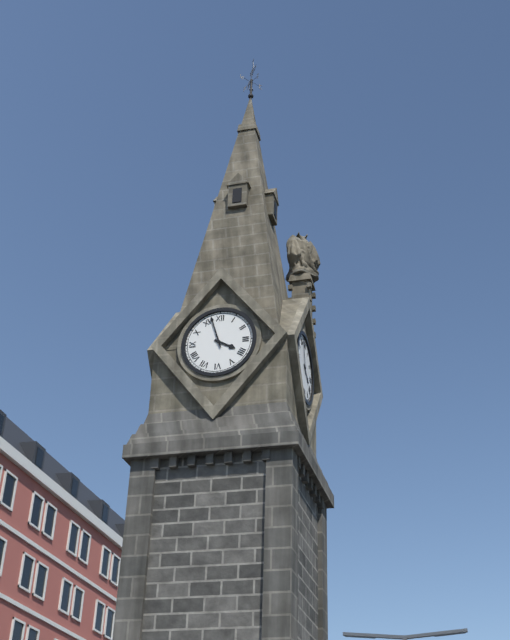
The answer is 3,57
